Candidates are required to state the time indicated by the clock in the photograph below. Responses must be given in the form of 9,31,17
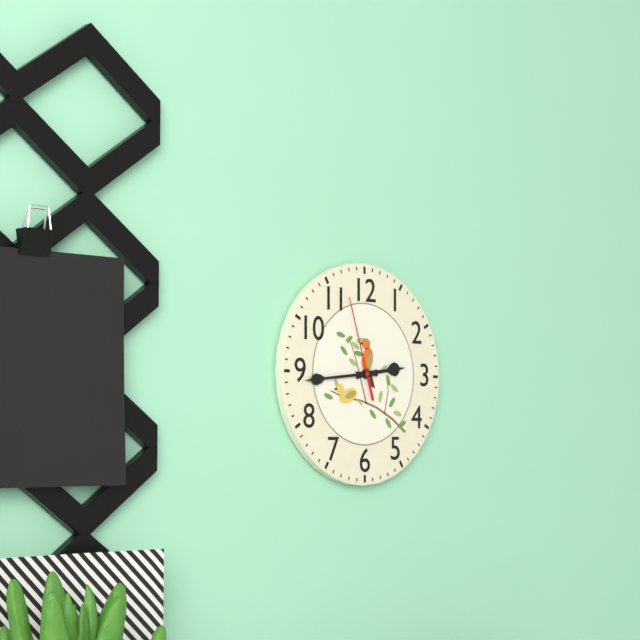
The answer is 2,44,57
